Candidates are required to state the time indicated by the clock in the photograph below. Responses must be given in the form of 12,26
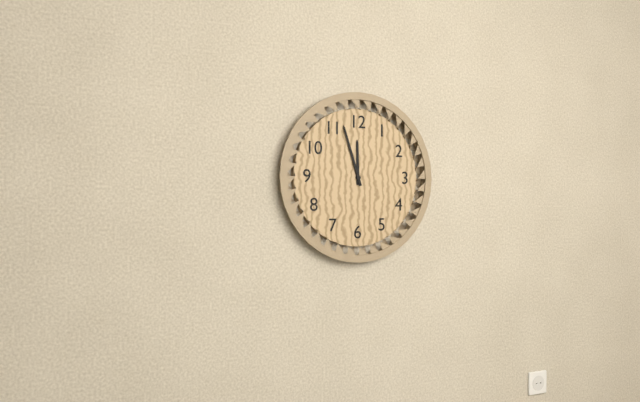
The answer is 11,57
